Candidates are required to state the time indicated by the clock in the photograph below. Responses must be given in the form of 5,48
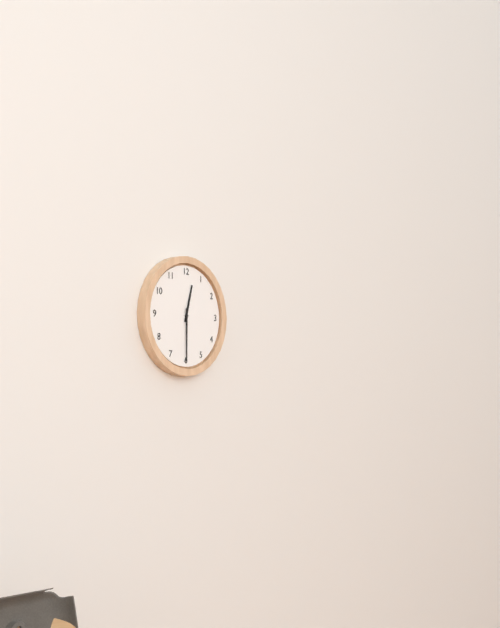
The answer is 12,30
